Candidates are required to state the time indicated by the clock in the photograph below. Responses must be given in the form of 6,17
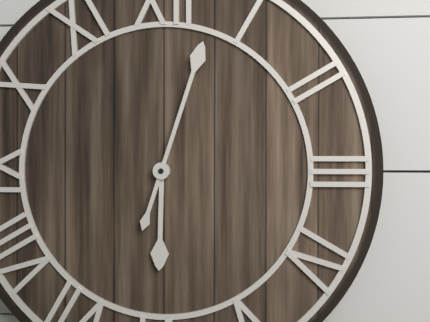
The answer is 6,03
